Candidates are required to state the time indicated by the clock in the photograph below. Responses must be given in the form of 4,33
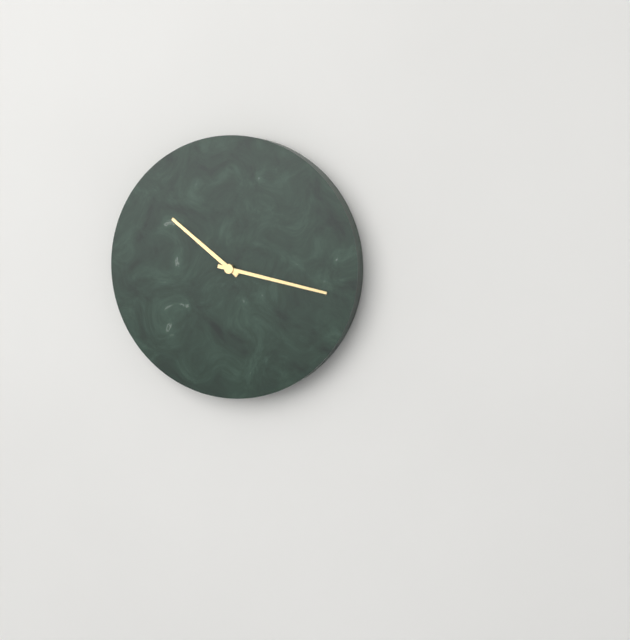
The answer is 10,17
